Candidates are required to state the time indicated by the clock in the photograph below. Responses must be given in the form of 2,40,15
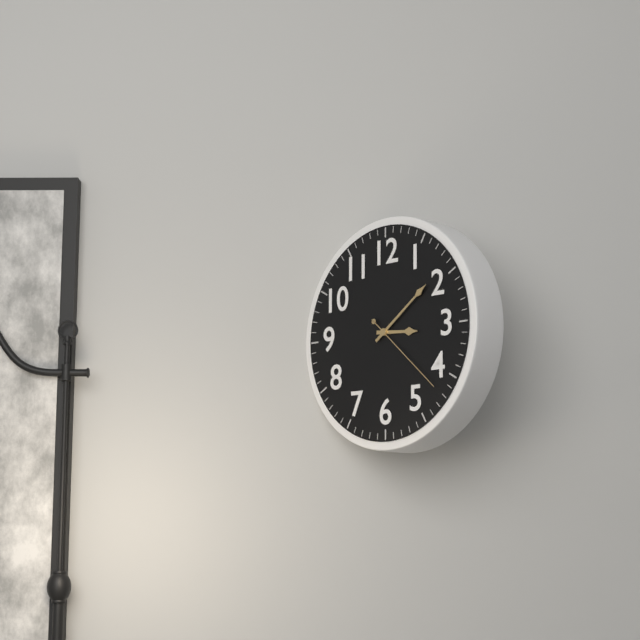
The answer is 3,09,22
